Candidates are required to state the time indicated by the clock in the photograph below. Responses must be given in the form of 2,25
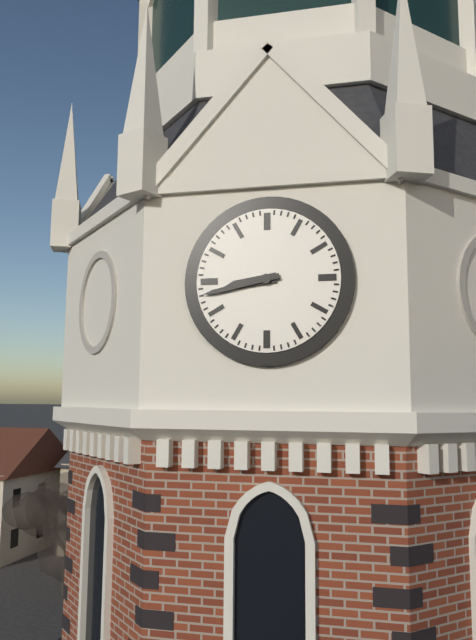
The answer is 8,43
